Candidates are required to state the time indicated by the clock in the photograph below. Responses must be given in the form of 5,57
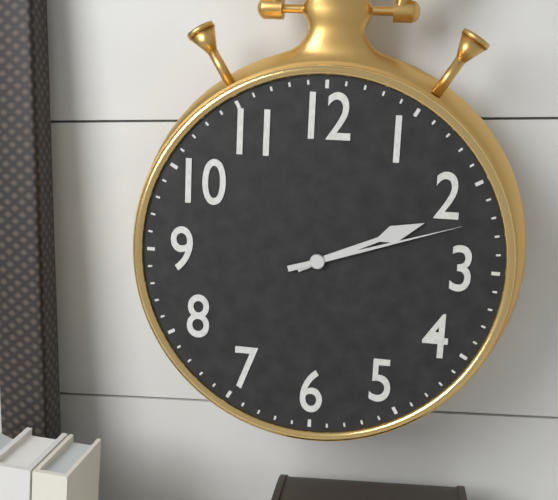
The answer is 2,12
